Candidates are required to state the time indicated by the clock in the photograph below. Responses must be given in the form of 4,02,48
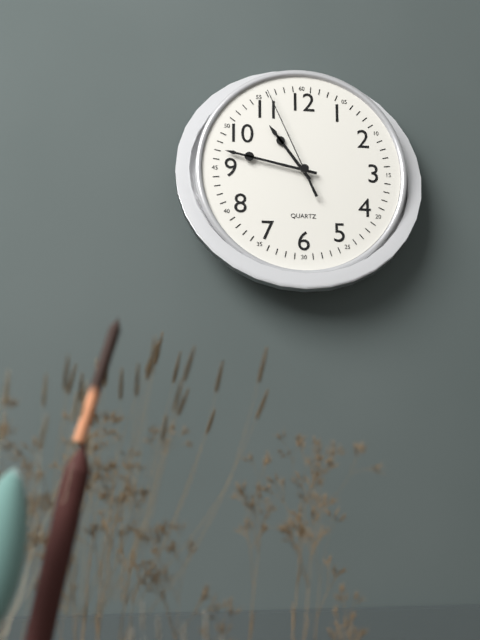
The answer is 10,47,56
